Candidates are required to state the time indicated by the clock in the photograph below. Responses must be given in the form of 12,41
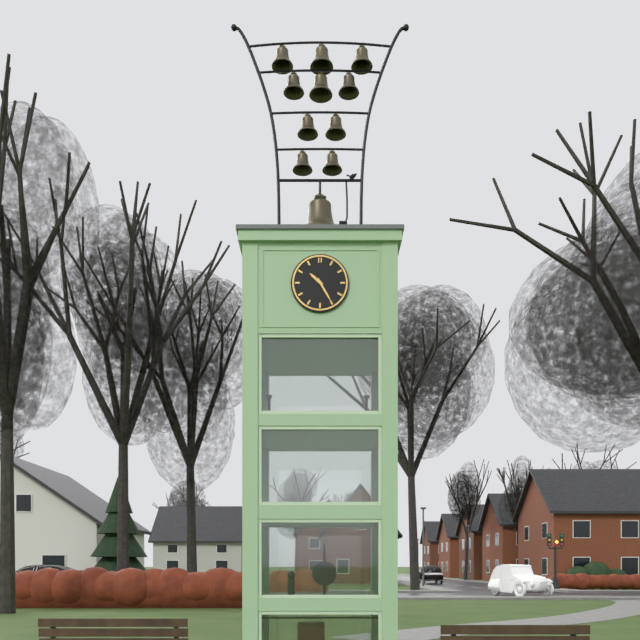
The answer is 10,25
